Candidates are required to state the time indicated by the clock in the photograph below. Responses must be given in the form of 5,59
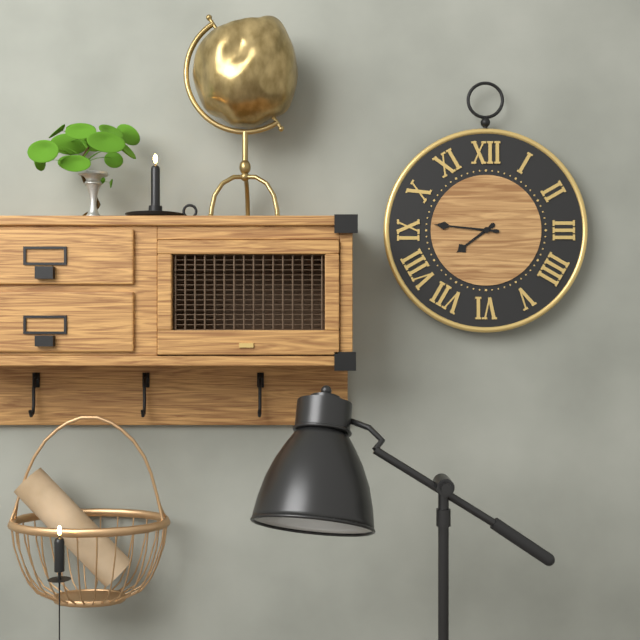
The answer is 7,46
